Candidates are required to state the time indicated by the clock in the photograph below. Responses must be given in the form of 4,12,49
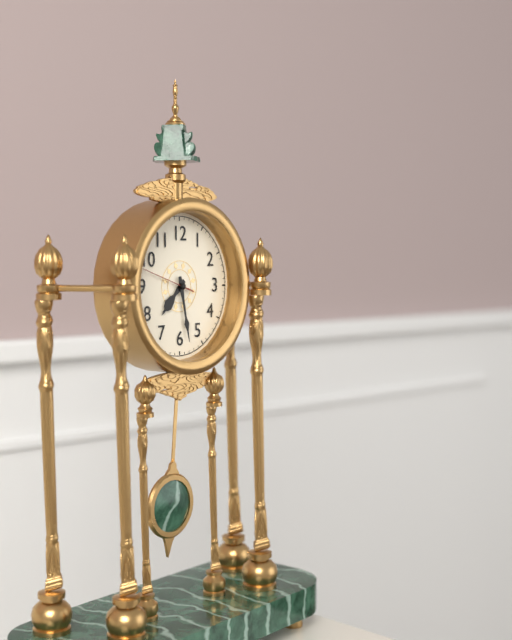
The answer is 7,28,48
